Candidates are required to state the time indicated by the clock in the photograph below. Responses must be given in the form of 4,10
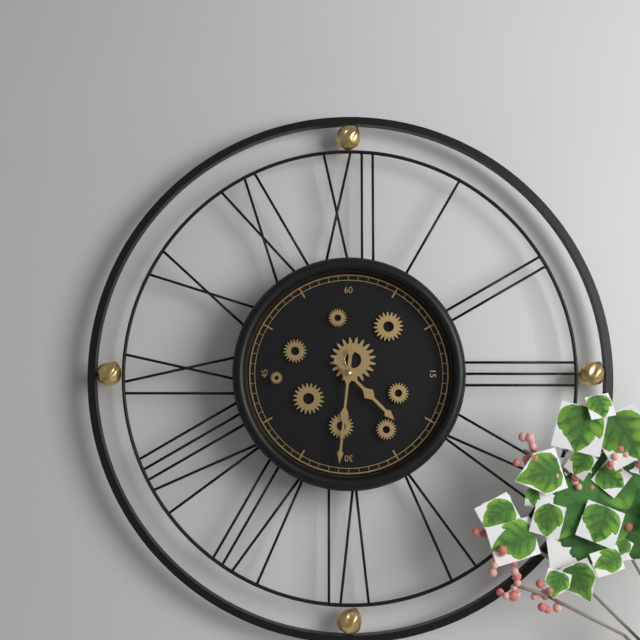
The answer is 4,31
